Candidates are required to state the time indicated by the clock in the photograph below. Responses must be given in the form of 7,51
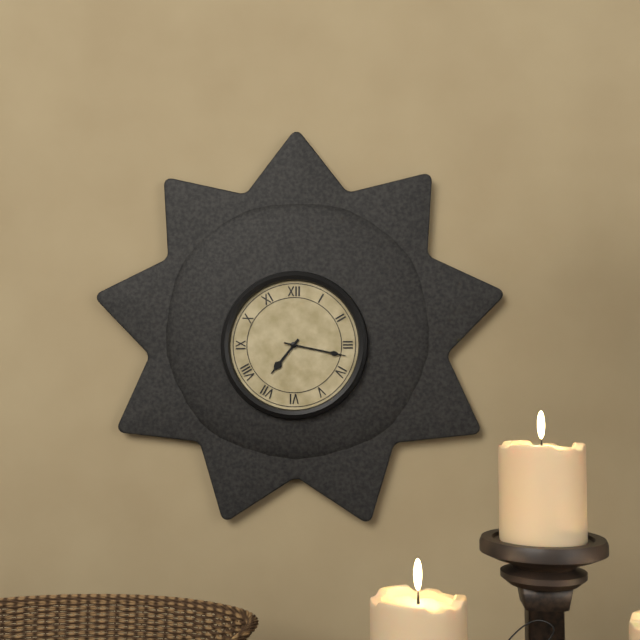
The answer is 7,17
